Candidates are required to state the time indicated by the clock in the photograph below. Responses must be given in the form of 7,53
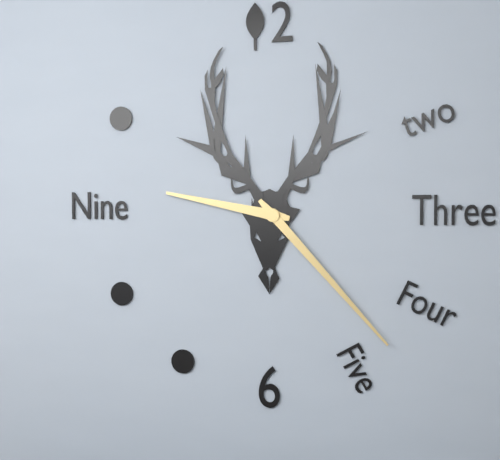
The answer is 9,23
